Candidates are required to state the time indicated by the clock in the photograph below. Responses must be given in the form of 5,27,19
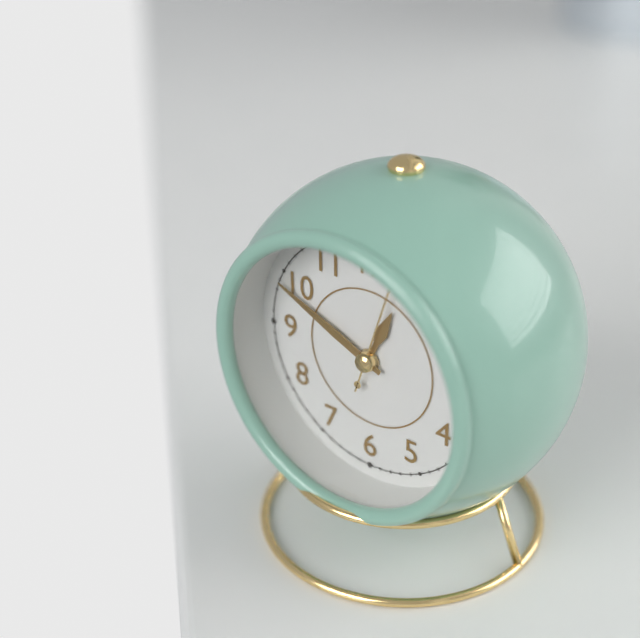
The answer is 12,49,03
